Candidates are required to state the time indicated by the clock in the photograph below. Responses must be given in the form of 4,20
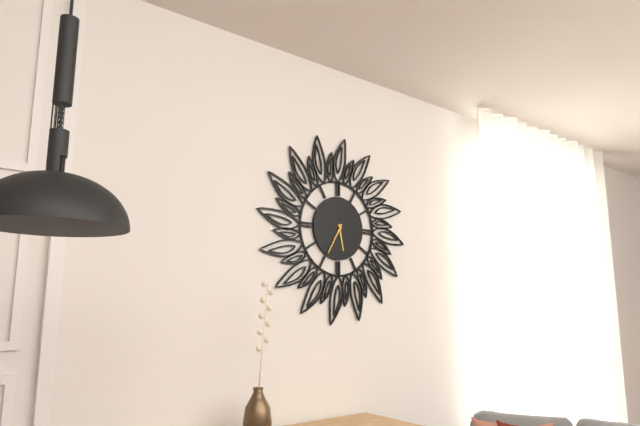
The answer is 5,35
